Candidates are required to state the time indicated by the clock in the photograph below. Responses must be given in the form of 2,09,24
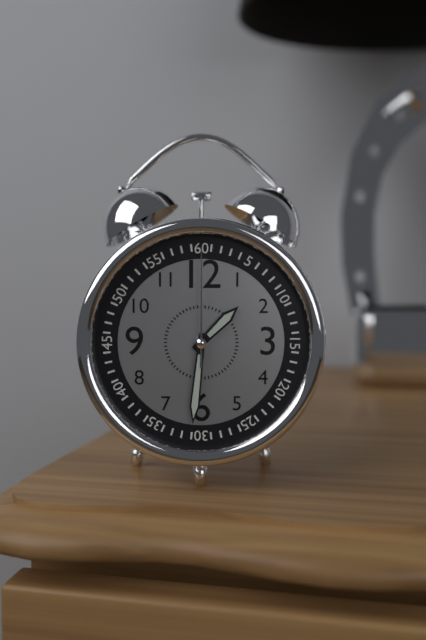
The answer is 1,31,00
